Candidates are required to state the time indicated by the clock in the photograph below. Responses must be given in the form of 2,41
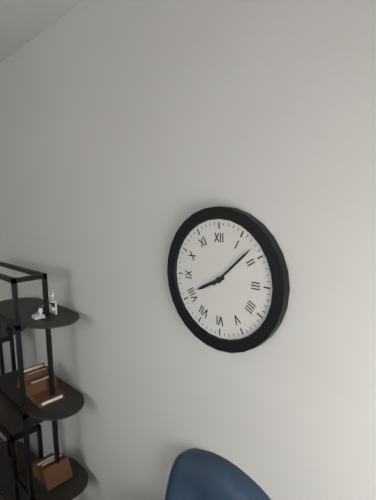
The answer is 8,08
